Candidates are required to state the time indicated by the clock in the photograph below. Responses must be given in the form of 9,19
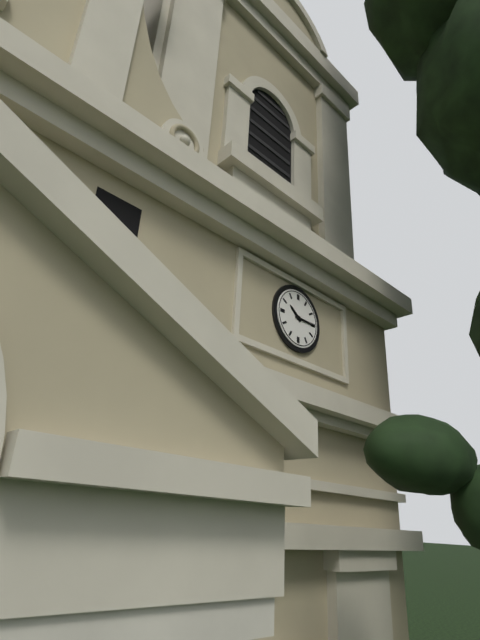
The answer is 10,15
